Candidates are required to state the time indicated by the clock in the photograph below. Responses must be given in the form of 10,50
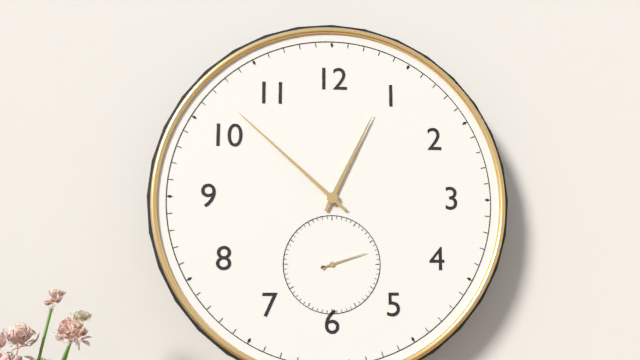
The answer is 12,52
